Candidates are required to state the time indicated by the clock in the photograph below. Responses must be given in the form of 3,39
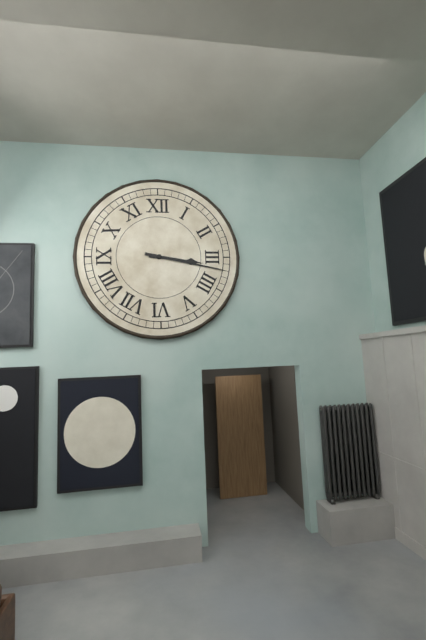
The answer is 3,17
